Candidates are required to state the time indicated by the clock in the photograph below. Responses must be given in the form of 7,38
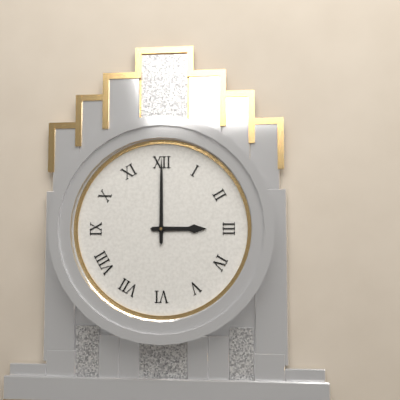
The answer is 3,00
